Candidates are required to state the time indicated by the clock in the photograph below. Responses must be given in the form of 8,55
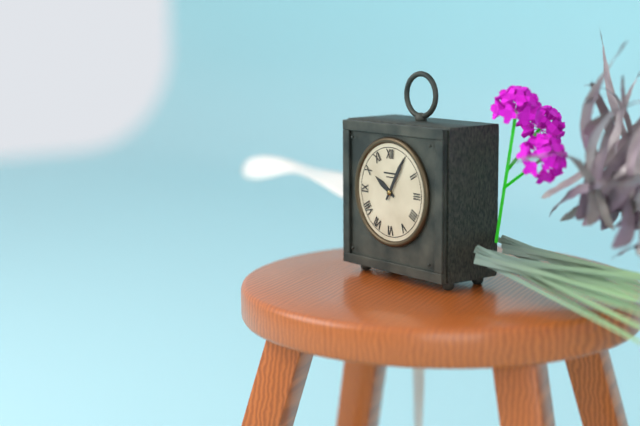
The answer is 10,05
